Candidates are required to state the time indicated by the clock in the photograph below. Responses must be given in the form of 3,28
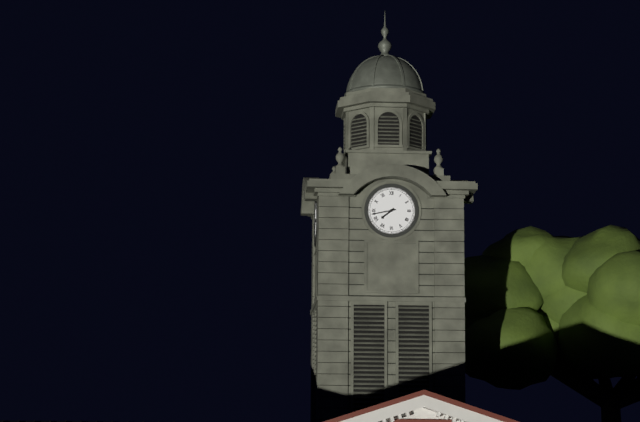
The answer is 7,43
